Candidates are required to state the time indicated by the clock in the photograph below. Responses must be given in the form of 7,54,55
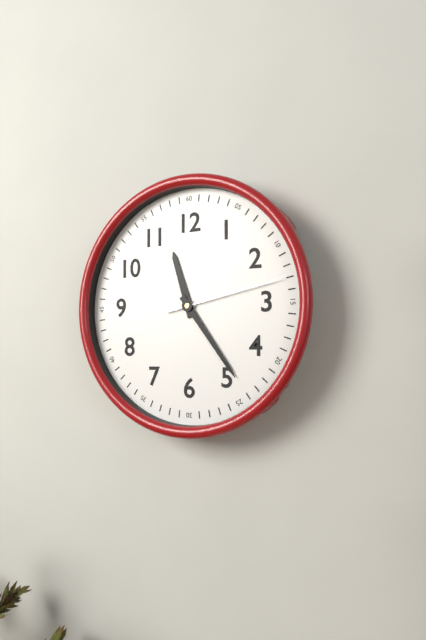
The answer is 11,24,13
